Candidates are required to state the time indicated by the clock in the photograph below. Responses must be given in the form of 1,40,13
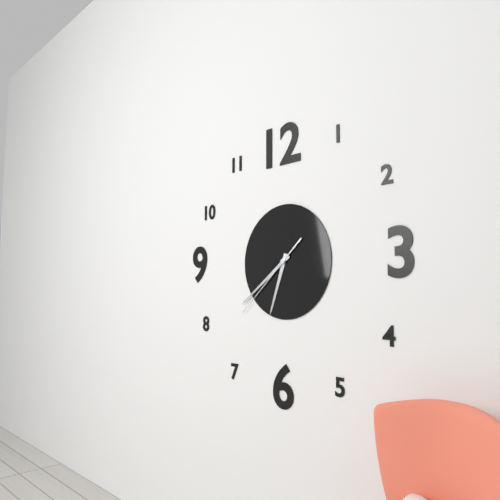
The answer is 6,39,38
